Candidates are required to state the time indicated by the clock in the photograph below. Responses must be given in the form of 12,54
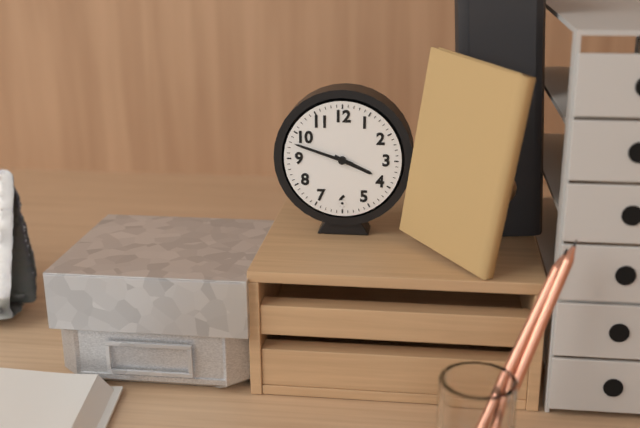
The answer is 3,48
